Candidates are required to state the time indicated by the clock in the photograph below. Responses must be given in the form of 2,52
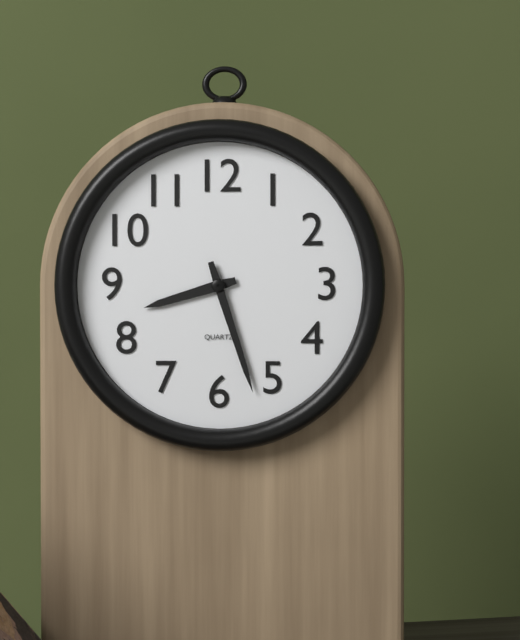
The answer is 8,27
